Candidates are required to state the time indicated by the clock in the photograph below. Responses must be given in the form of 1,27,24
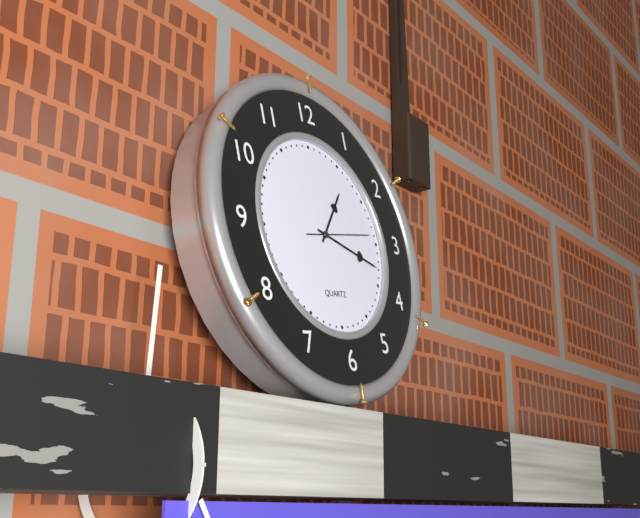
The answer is 1,18,14
